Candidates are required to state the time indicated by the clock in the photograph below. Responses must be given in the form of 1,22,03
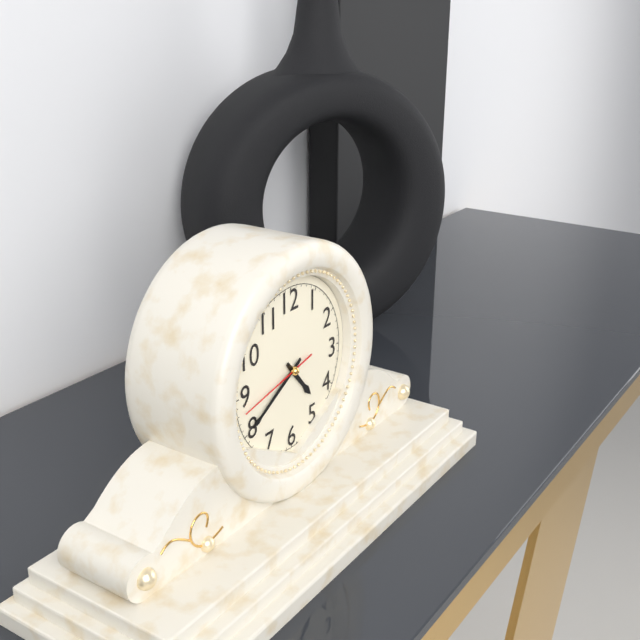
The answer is 4,40,43
